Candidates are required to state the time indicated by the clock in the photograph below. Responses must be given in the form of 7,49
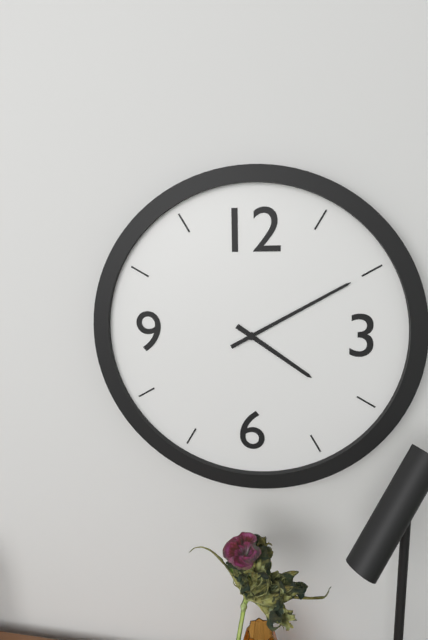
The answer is 4,10
